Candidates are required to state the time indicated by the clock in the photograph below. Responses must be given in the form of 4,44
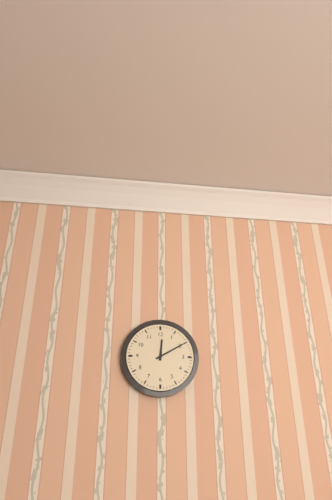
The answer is 12,10
